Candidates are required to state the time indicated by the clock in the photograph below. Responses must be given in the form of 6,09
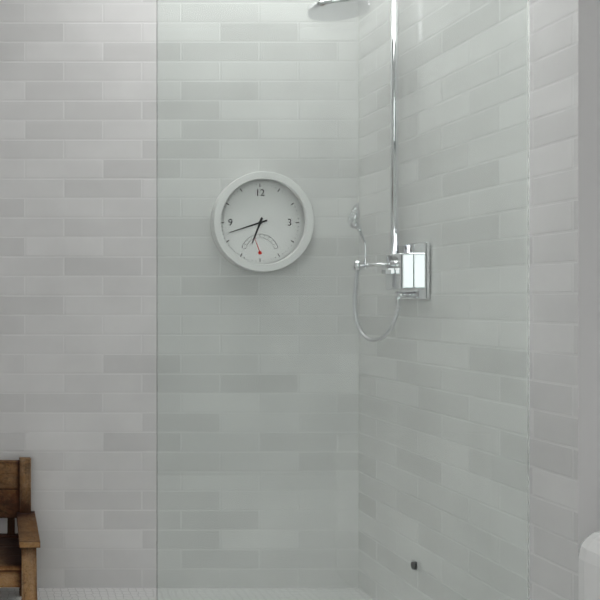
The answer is 6,42
